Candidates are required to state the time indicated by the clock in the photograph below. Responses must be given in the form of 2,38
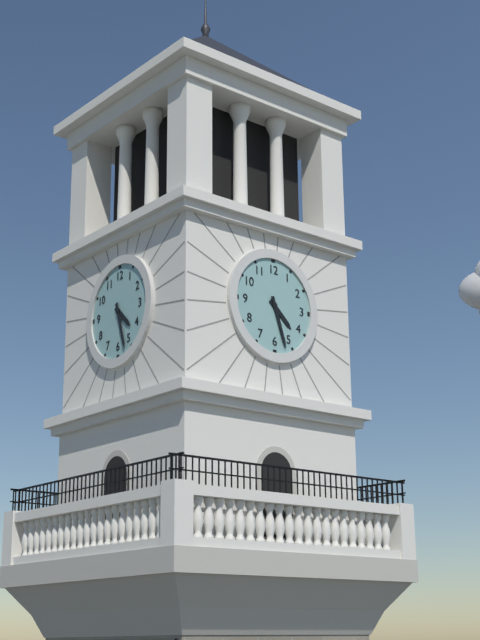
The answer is 4,27
